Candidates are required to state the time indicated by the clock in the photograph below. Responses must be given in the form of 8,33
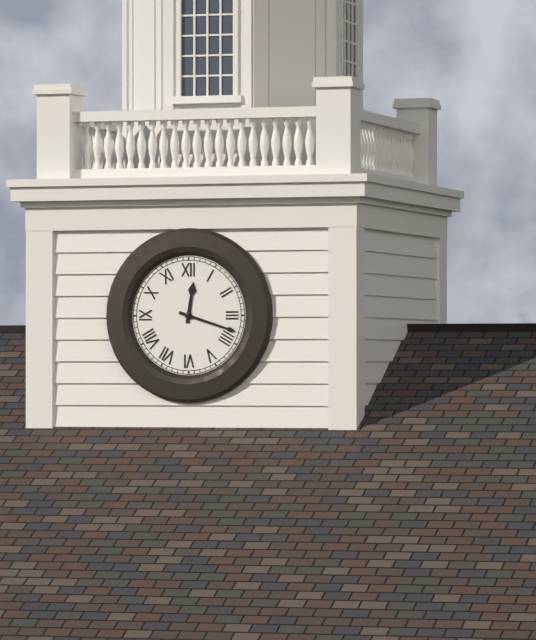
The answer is 12,18
